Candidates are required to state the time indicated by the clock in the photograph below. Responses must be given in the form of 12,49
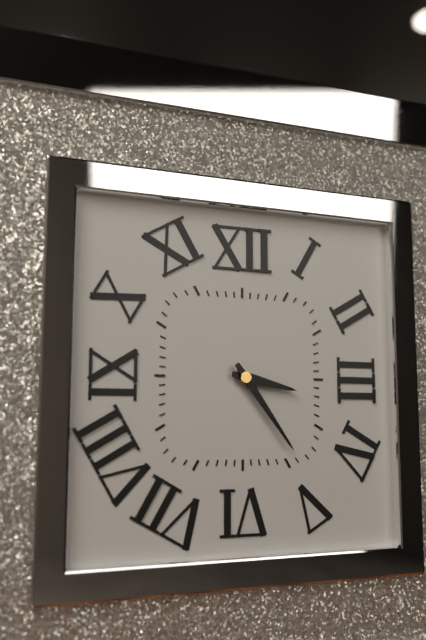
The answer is 3,24
